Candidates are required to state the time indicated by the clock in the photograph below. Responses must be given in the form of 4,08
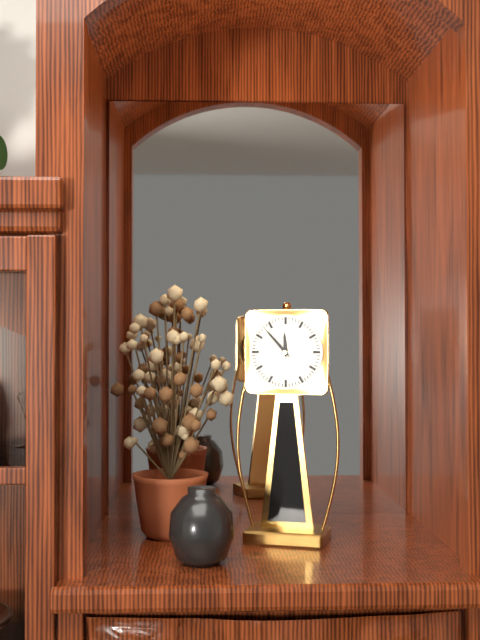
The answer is 11,53
